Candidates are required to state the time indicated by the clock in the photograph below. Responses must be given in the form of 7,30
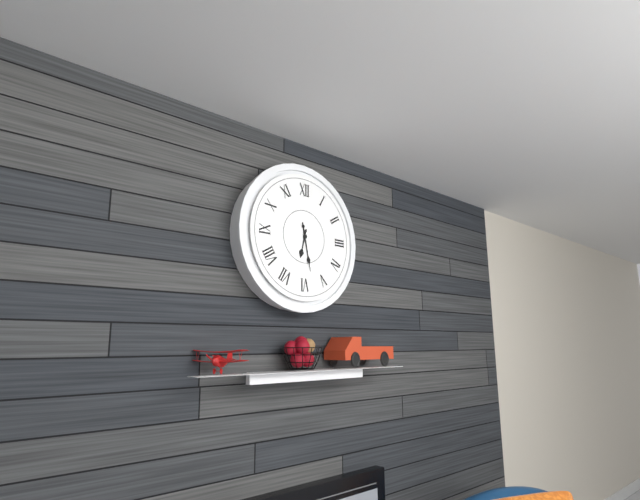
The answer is 6,28
